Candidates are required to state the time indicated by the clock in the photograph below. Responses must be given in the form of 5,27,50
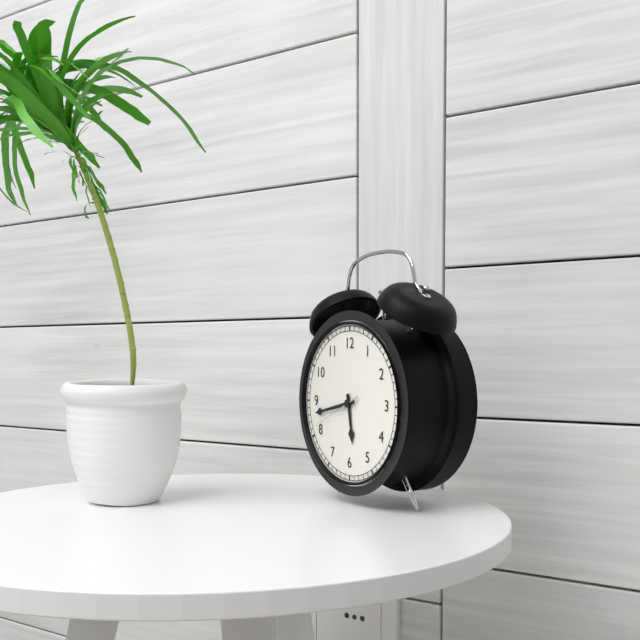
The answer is 5,43,41
